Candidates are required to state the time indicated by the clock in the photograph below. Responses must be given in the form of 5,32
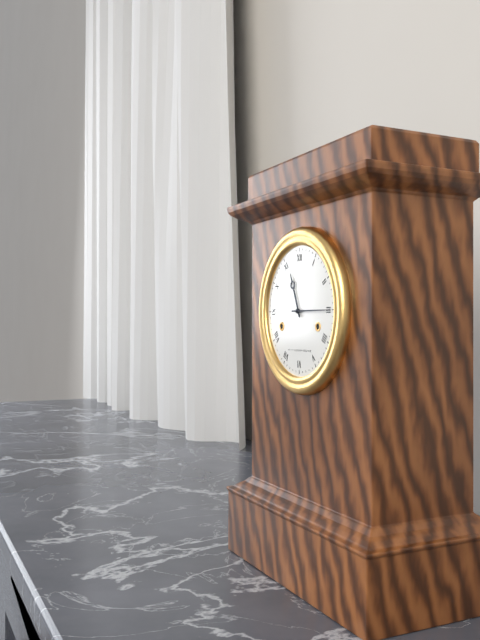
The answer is 11,15
